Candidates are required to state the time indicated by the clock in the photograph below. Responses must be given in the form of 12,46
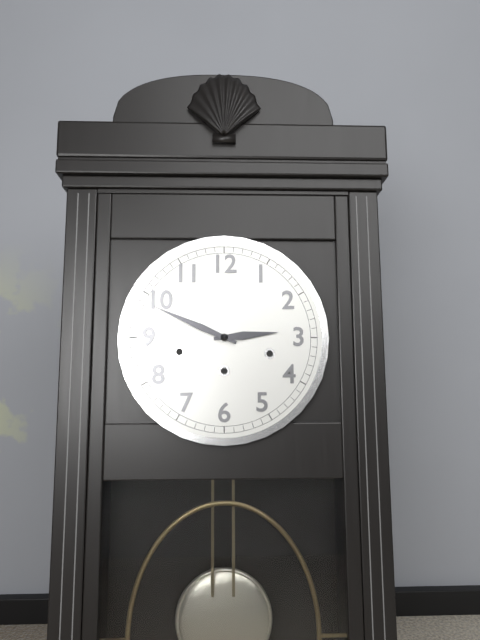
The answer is 2,49
